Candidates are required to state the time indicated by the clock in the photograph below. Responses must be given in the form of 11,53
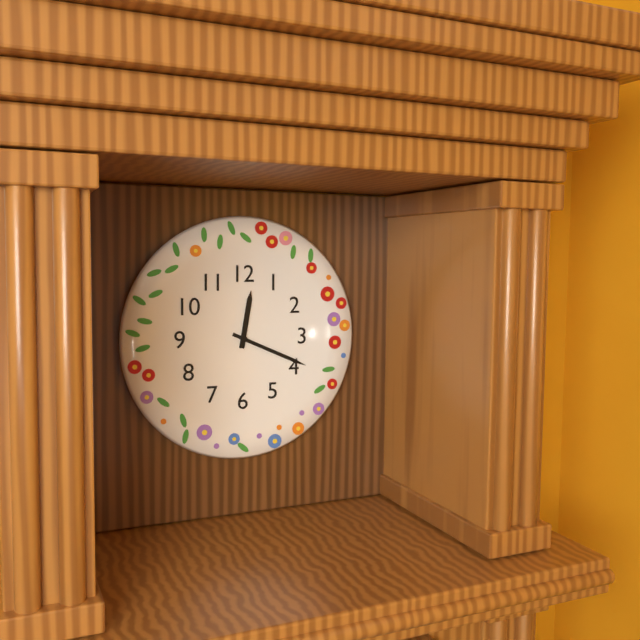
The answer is 12,19
